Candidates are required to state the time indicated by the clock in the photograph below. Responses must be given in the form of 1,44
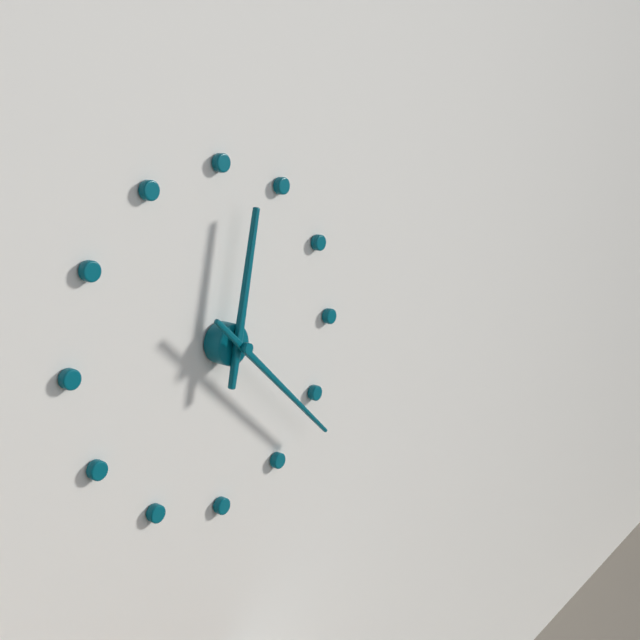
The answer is 12,22
